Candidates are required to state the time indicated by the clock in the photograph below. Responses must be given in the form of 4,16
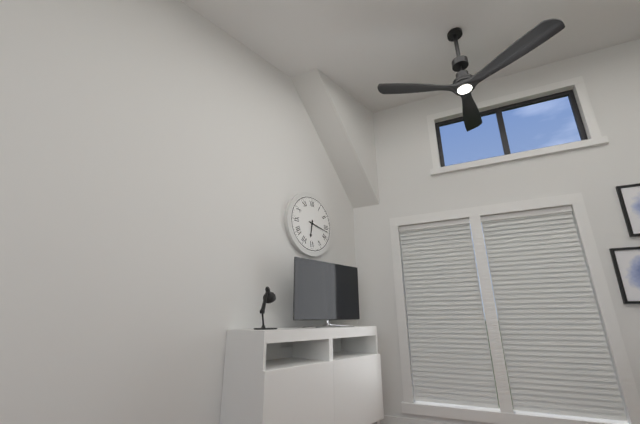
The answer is 6,17
